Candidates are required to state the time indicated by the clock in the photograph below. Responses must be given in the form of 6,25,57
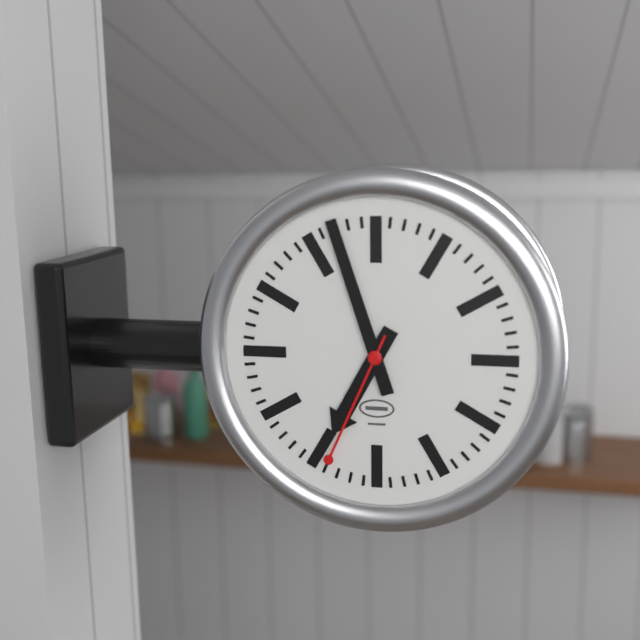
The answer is 6,57,34
